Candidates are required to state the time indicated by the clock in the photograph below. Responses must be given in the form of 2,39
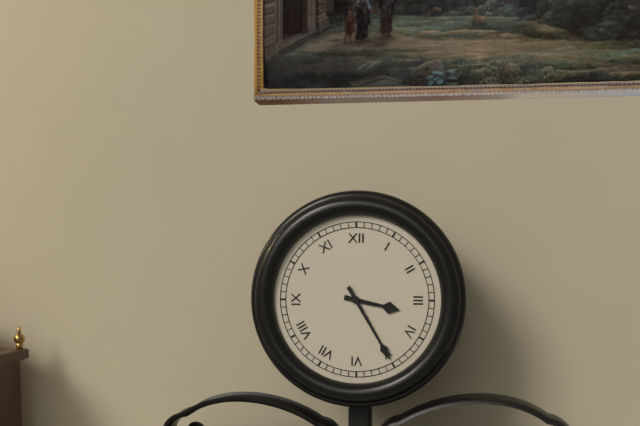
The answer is 3,25
